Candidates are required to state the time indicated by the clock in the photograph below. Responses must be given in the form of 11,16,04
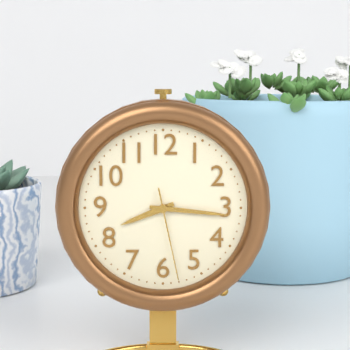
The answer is 8,16,28
